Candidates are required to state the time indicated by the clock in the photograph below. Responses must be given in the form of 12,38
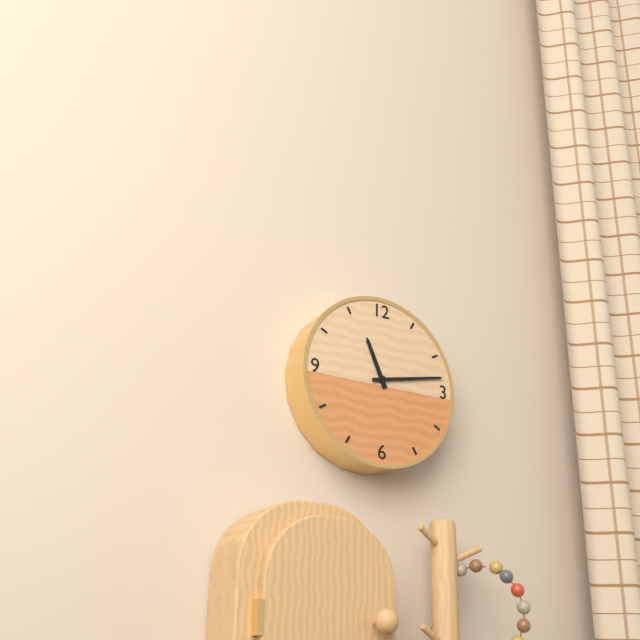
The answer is 11,13
